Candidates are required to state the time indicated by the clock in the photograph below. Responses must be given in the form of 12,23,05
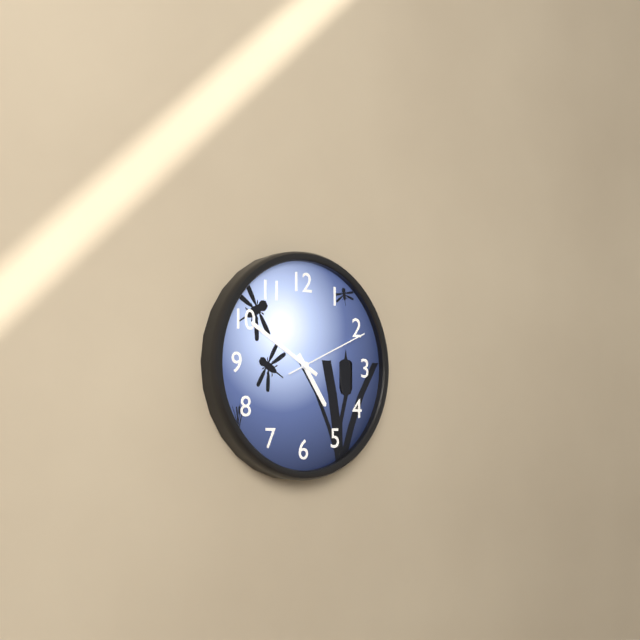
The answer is 4,50,11
